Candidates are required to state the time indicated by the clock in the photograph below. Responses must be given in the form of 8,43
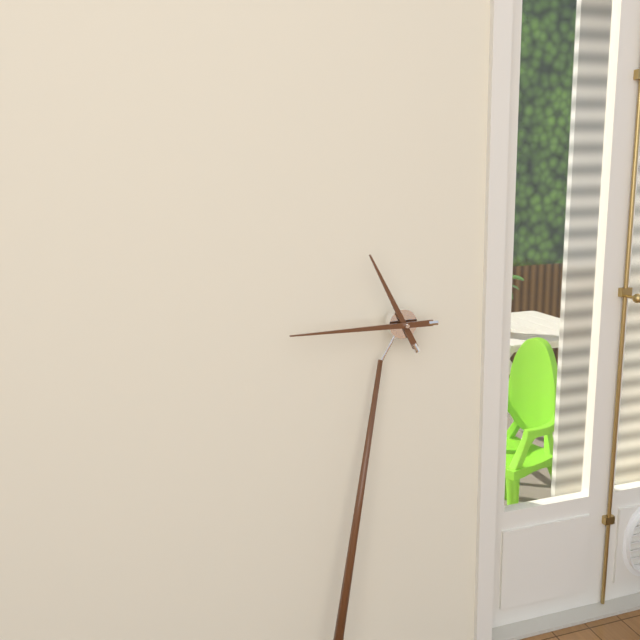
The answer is 10,43
